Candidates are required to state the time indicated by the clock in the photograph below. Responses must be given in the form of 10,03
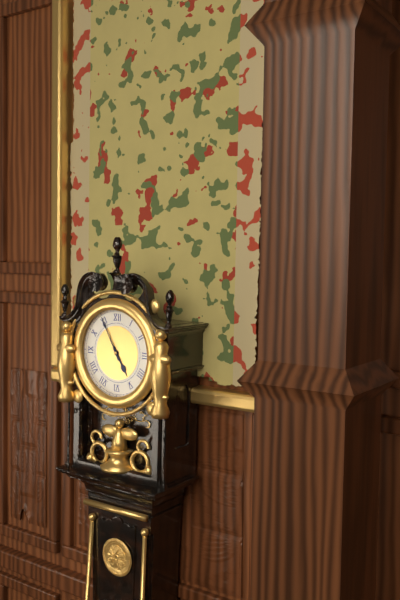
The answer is 4,55
